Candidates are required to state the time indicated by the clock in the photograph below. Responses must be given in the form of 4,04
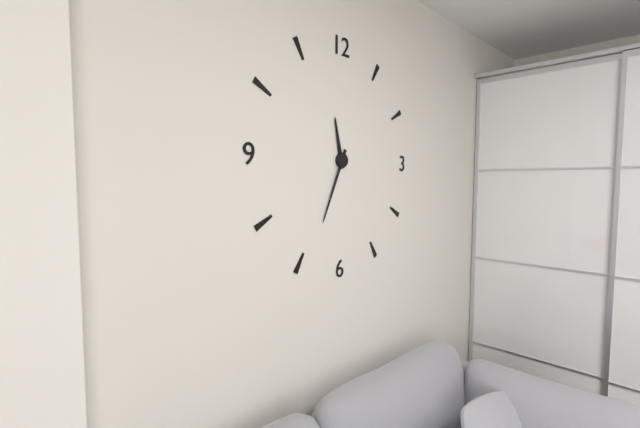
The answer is 11,34
